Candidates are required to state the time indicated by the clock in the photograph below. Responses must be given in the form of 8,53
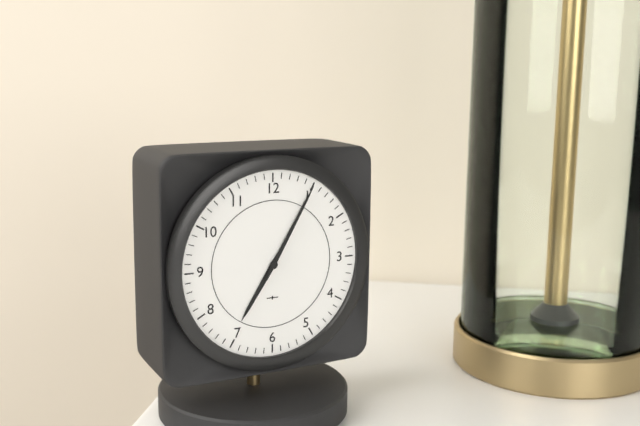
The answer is 7,05
